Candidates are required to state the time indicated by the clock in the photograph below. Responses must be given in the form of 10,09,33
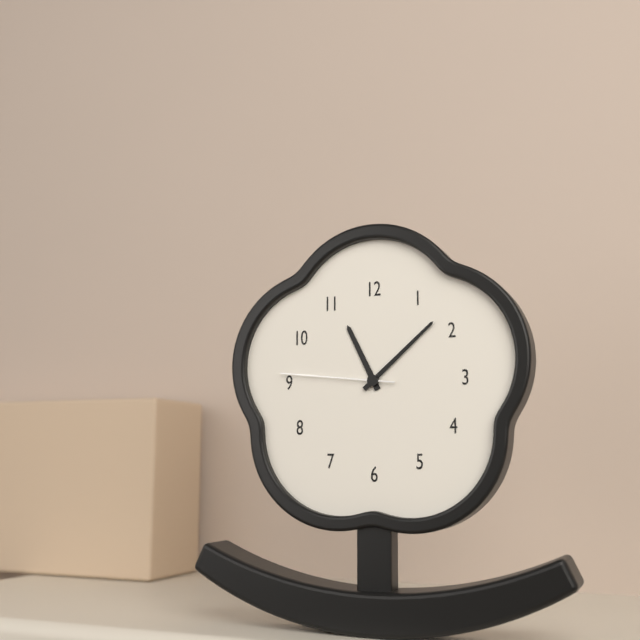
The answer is 11,08,46
